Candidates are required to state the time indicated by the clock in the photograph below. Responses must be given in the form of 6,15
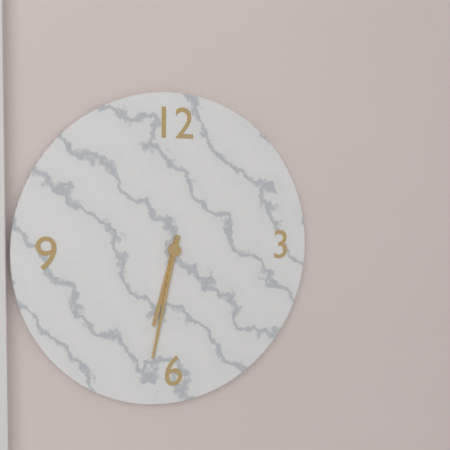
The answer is 6,32
